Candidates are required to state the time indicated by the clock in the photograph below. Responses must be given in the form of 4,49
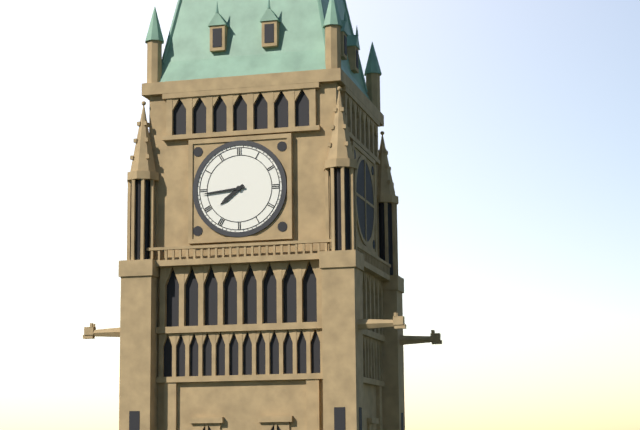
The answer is 7,44
